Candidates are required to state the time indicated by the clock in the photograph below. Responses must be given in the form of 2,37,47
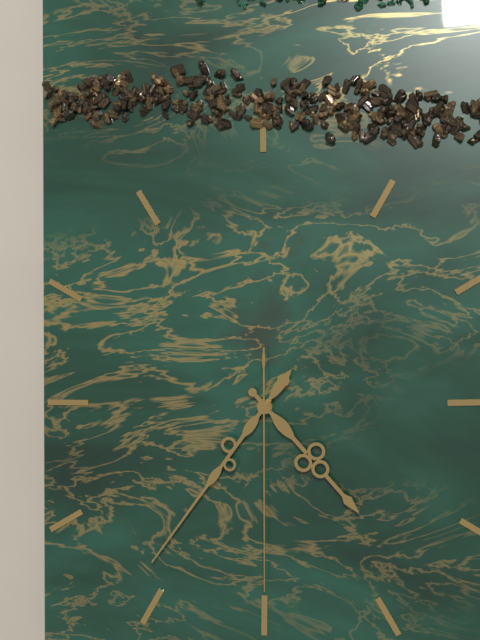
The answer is 4,36,30
